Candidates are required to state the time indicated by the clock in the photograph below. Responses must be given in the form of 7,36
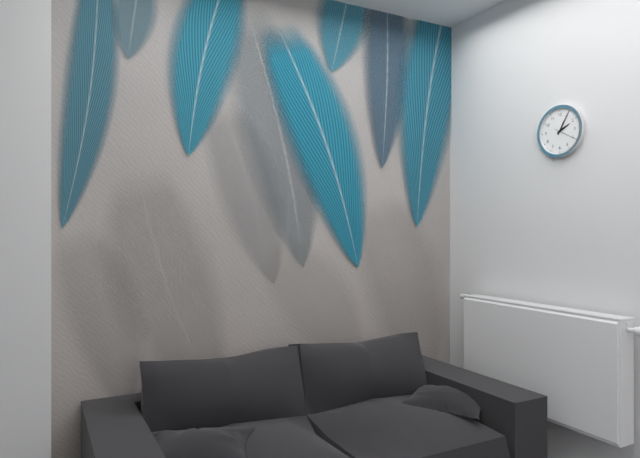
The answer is 2,05
